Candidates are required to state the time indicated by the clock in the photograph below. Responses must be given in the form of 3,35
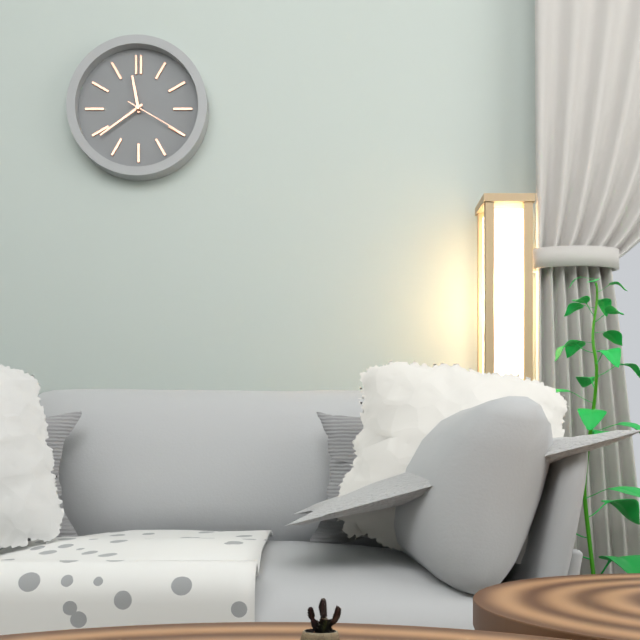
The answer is 11,39
